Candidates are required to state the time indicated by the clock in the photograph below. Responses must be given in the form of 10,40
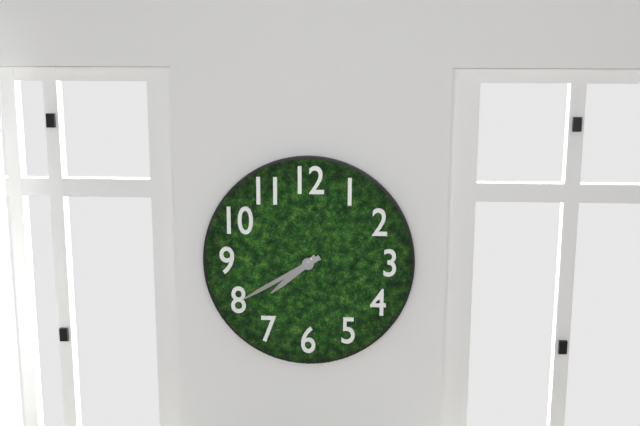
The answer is 7,40
